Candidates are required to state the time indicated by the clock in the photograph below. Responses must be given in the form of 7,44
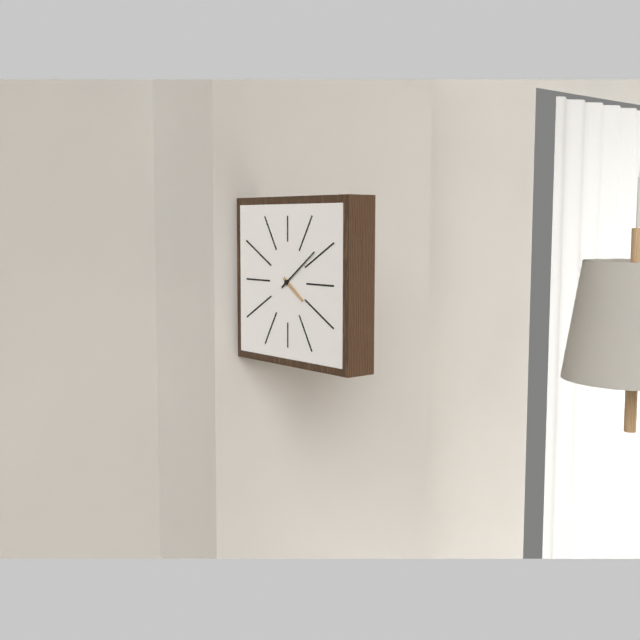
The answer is 4,09
